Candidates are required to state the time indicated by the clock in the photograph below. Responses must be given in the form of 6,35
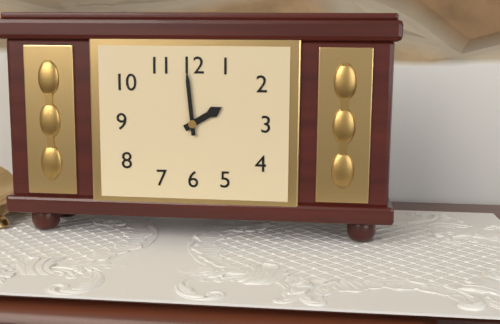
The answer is 1,59
